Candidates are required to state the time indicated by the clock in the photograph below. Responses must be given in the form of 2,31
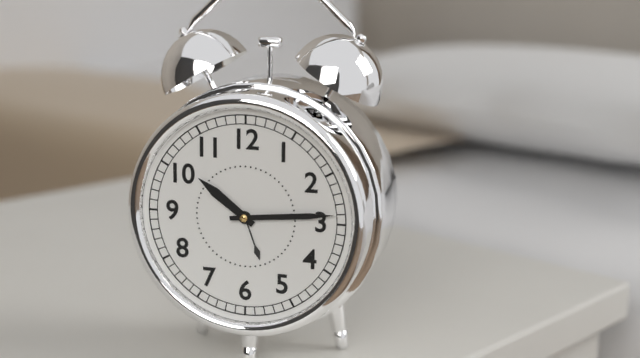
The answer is 10,14
